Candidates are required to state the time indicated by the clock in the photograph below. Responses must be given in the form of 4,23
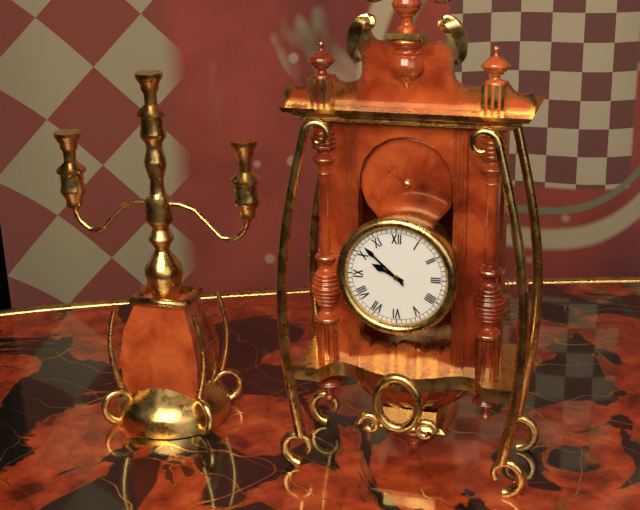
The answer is 9,52
